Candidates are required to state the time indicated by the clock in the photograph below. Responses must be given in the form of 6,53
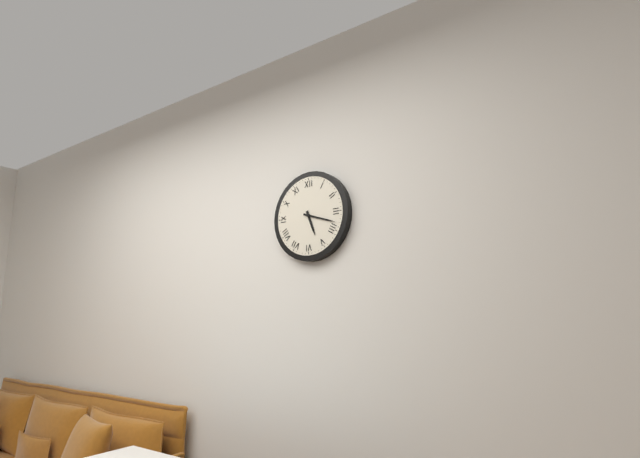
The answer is 5,18
